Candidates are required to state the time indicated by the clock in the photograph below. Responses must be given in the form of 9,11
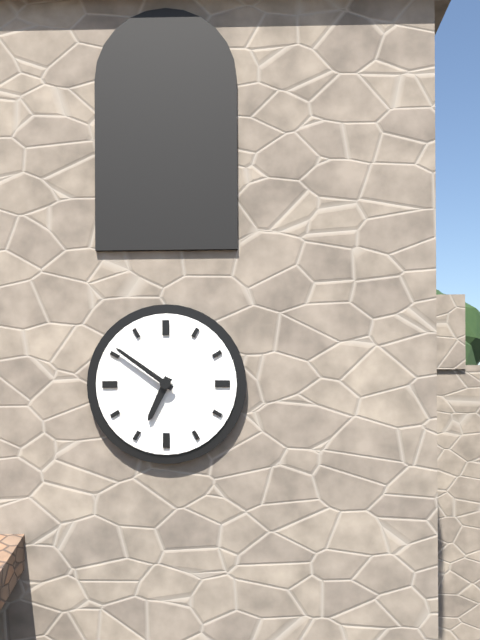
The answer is 6,51
